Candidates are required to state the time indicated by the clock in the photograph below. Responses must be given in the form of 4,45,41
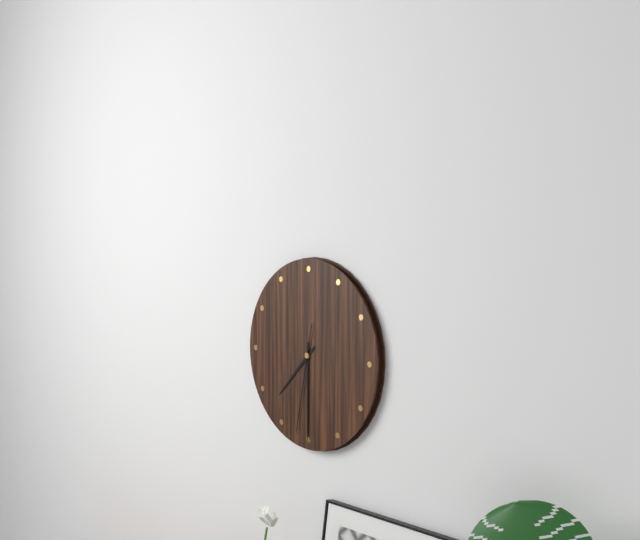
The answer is 7,30,32
